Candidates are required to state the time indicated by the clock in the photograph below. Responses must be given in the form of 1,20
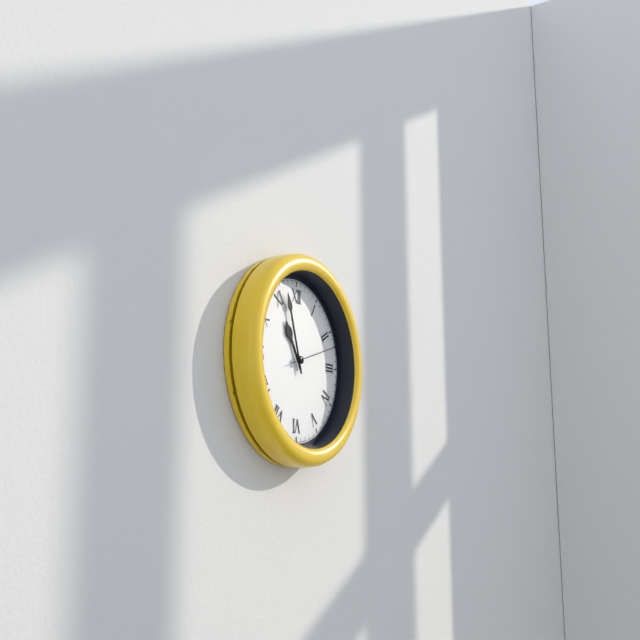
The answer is 10,57
